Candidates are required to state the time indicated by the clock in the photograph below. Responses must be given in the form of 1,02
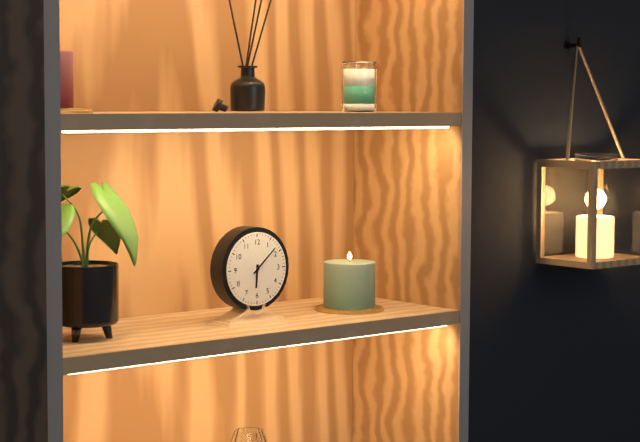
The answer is 6,08
